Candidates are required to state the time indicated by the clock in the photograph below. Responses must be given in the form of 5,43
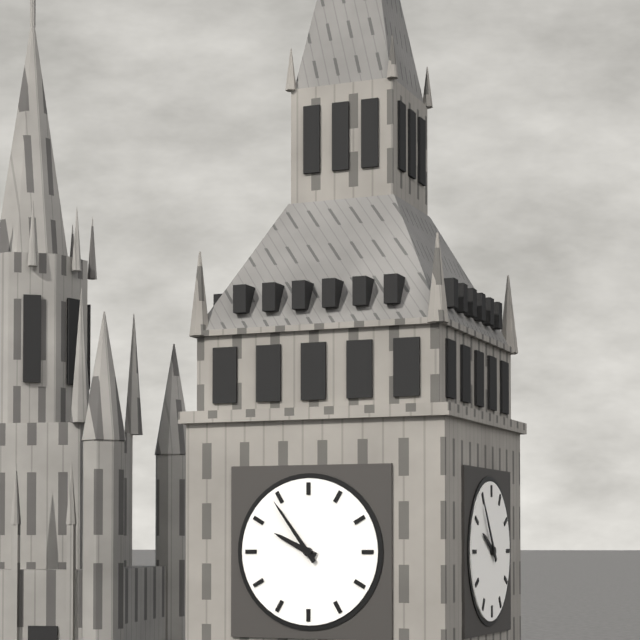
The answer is 9,54
